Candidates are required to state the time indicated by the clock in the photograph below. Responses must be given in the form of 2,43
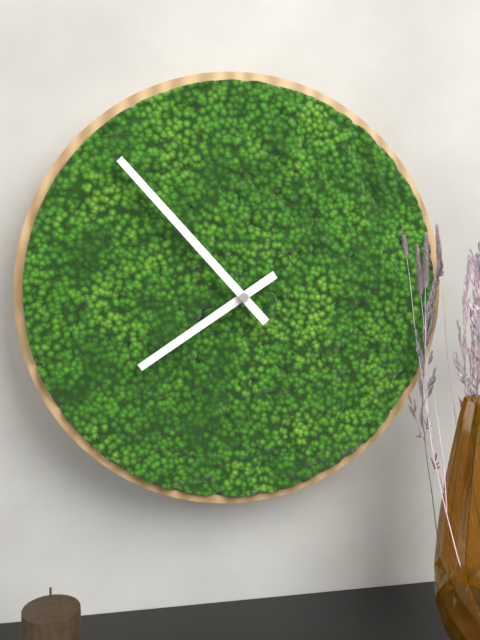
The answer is 7,53
